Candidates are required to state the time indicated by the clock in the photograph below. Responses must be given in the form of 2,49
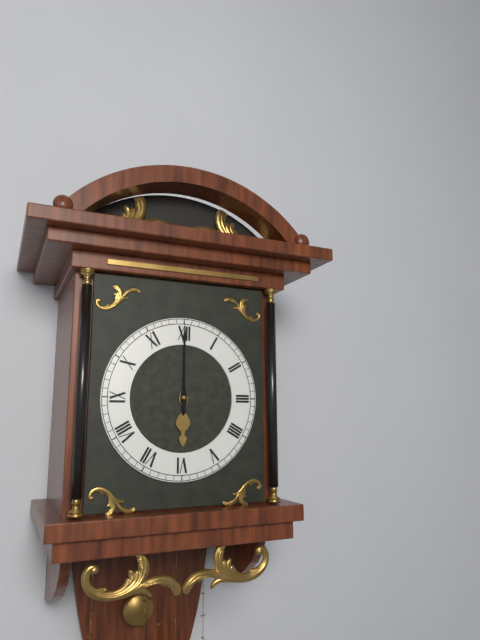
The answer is 6,00
